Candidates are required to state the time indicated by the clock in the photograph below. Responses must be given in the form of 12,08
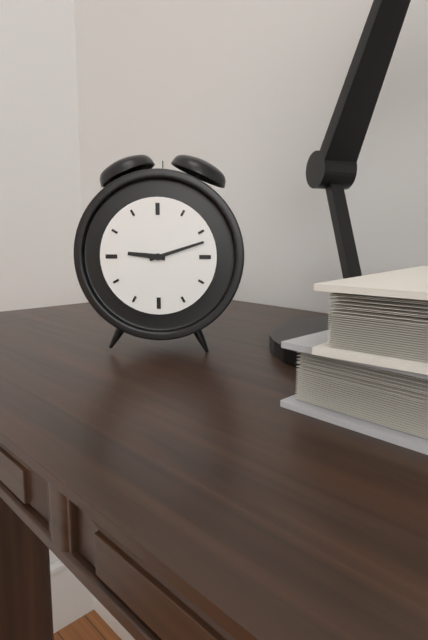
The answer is 9,12
